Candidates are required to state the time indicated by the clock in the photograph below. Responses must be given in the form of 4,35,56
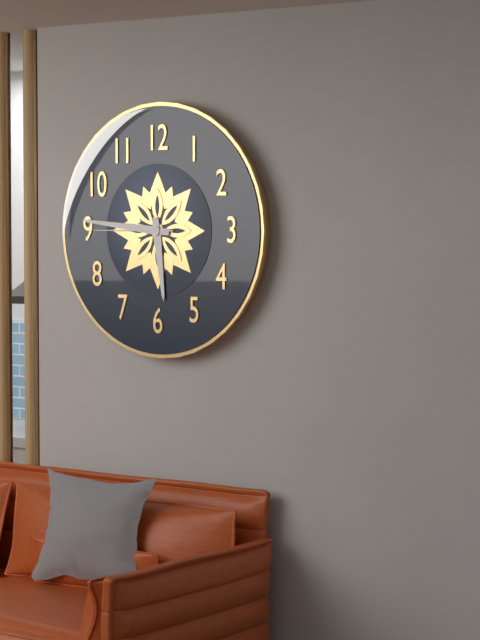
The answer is 5,46,45
